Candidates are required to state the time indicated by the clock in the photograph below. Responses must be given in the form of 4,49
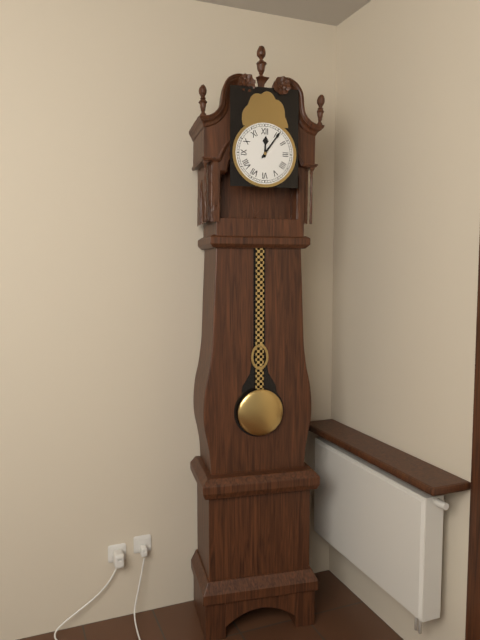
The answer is 12,06
